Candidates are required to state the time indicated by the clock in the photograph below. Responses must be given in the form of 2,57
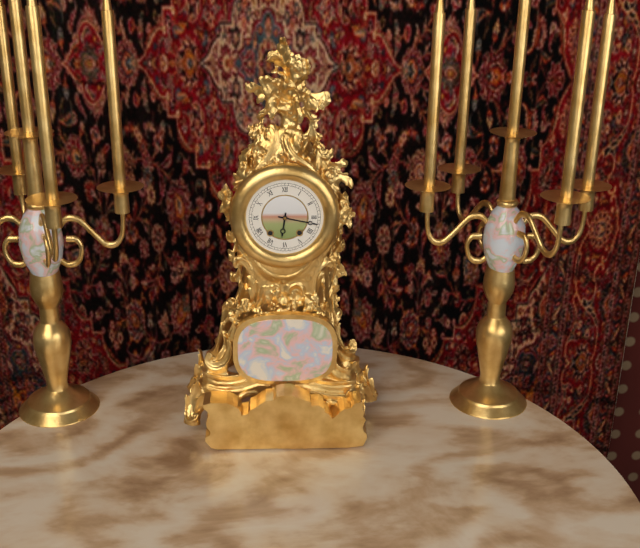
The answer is 6,17
